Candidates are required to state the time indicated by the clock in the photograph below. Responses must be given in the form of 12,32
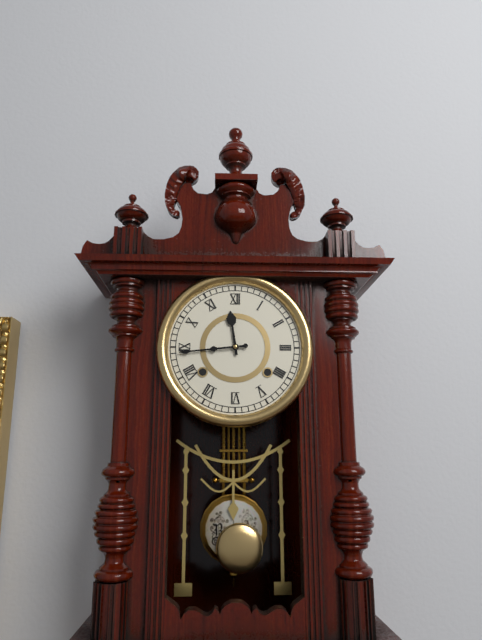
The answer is 11,44
